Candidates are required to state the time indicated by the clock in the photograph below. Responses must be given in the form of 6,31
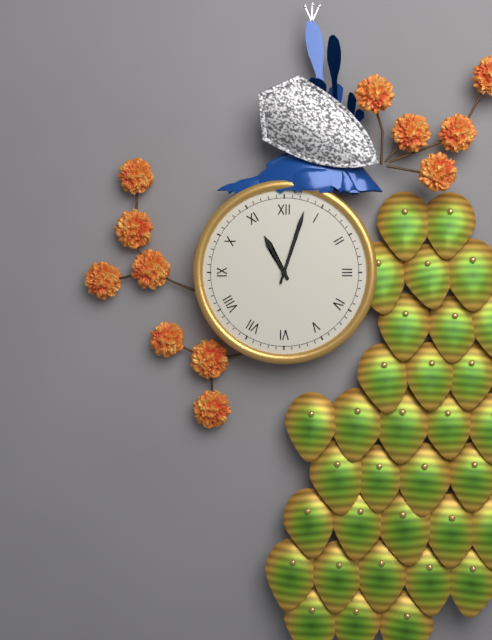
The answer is 11,03
